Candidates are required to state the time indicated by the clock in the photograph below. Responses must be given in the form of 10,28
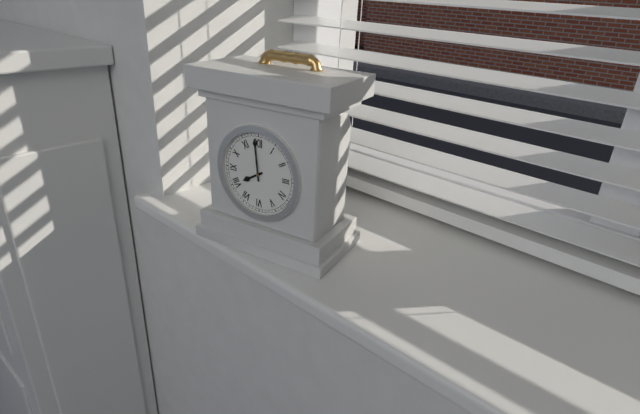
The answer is 7,59
